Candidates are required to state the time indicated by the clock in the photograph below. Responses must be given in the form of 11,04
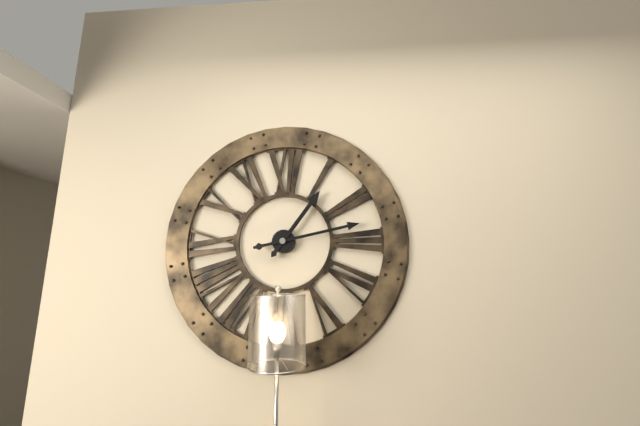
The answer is 1,13
